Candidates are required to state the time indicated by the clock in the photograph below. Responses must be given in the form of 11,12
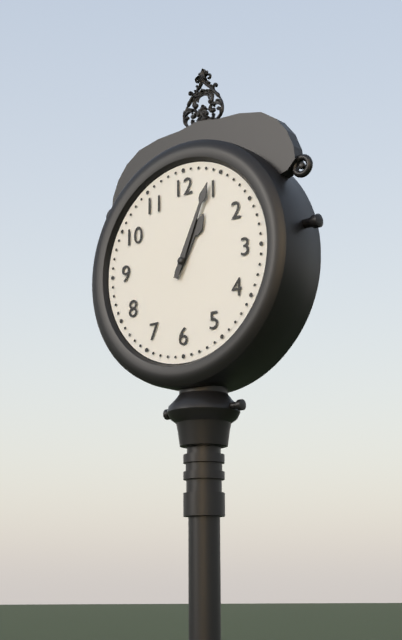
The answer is 1,04
